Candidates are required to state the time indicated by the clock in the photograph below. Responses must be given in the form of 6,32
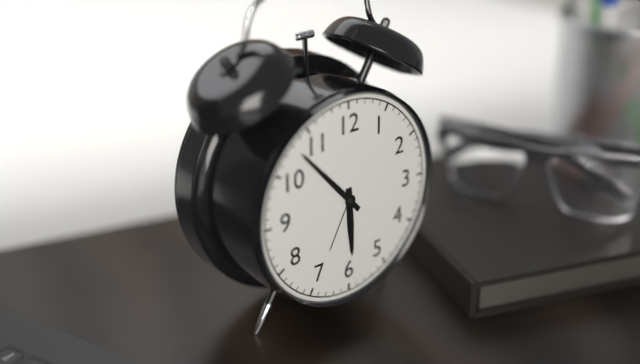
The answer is 5,53
